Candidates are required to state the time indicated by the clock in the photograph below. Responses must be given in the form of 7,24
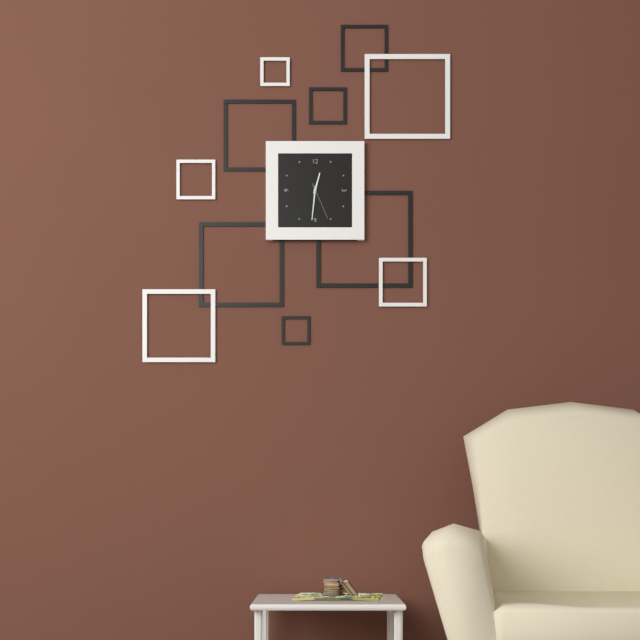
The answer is 12,31
